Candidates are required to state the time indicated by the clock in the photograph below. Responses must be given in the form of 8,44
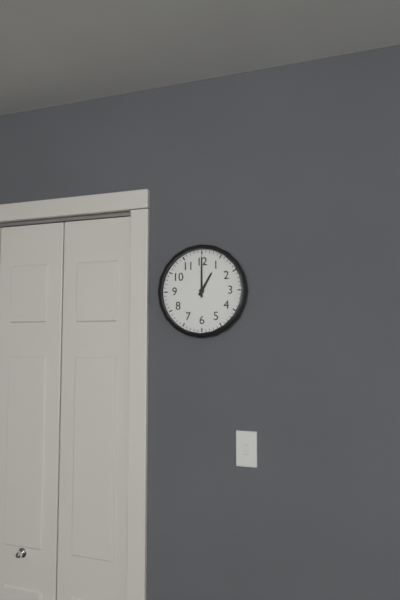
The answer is 1,00
